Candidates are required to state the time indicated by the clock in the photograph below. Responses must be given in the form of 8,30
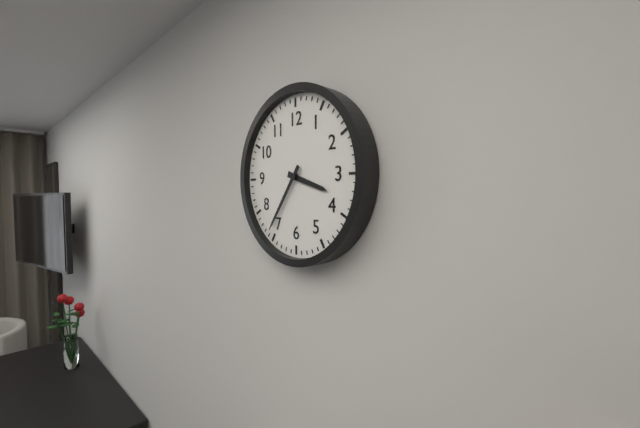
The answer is 3,36
